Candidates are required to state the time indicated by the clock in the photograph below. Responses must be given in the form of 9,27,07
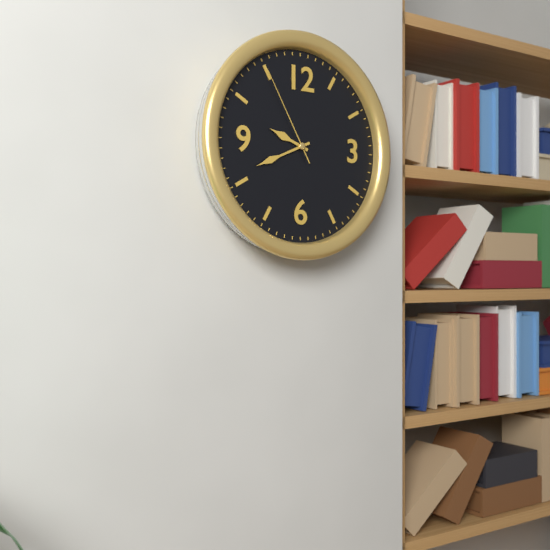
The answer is 9,41,55
